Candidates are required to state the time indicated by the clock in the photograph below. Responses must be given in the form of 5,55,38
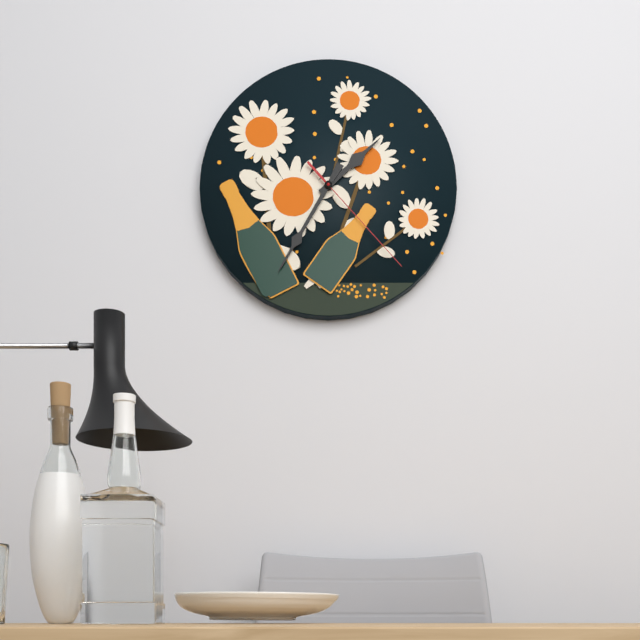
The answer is 1,35,23
